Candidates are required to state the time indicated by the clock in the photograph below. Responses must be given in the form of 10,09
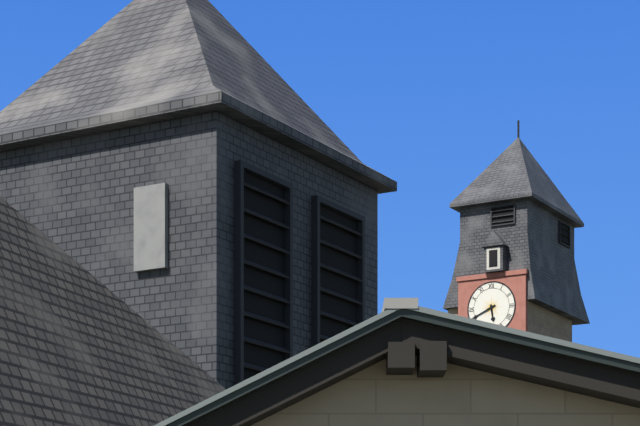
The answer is 5,41
